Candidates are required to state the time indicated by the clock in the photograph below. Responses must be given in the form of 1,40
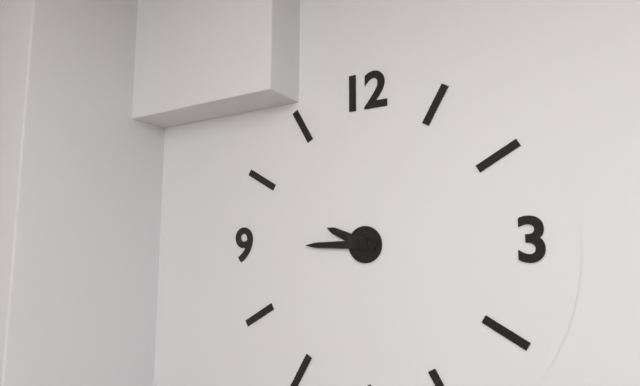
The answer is 9,45
